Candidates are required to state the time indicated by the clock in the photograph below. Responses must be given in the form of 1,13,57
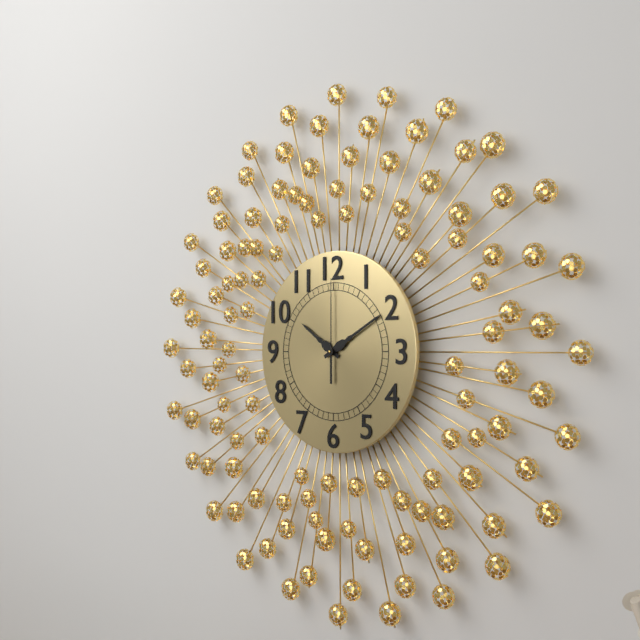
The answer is 10,10,00
